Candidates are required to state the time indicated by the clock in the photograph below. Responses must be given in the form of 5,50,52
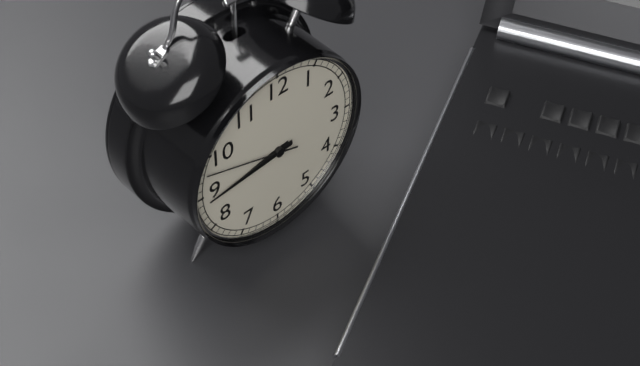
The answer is 8,44,48
